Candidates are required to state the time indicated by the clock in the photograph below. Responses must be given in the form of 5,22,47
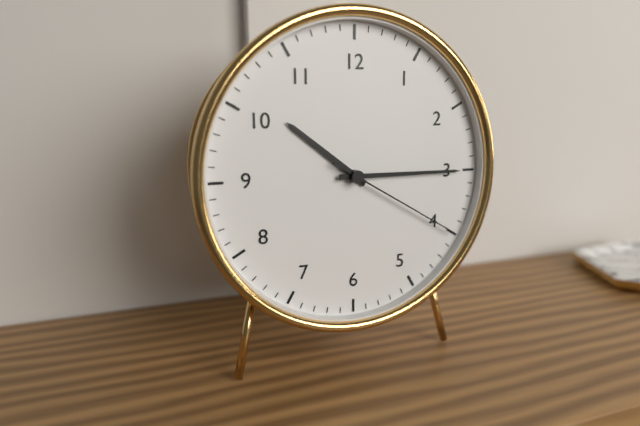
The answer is 10,15,20
